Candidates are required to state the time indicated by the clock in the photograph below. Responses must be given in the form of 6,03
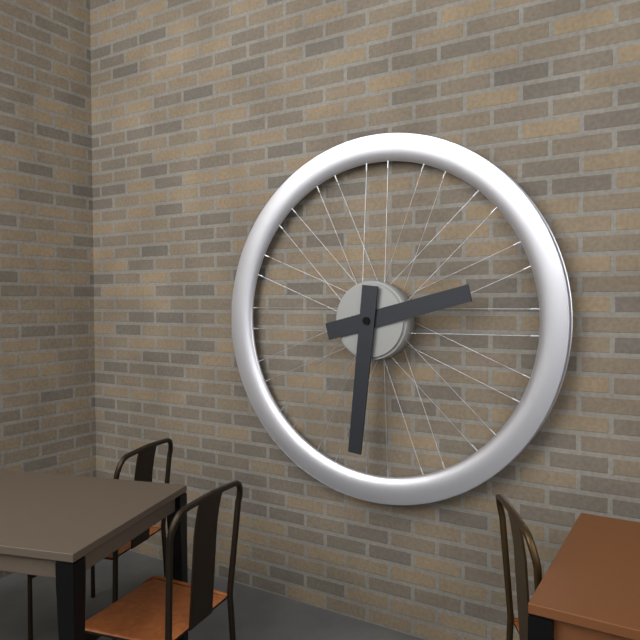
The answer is 2,31
